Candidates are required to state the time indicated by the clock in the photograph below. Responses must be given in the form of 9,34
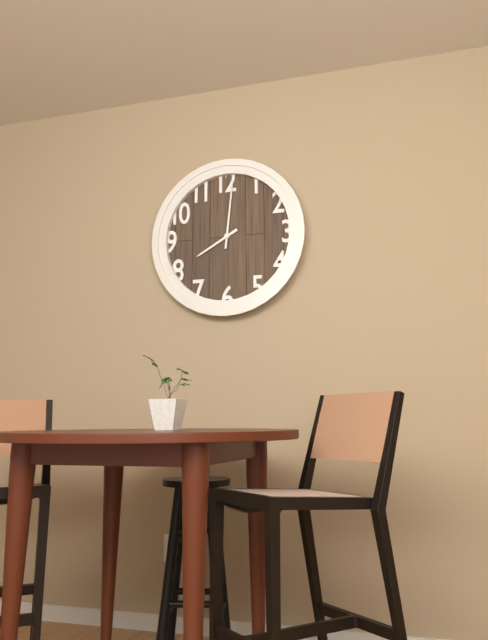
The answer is 8,01
